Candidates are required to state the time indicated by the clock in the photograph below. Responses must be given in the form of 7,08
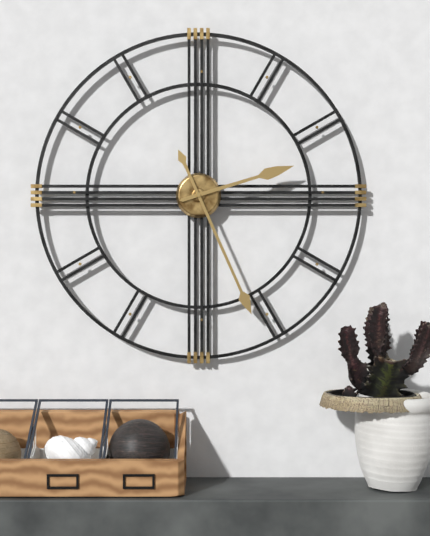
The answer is 2,26
